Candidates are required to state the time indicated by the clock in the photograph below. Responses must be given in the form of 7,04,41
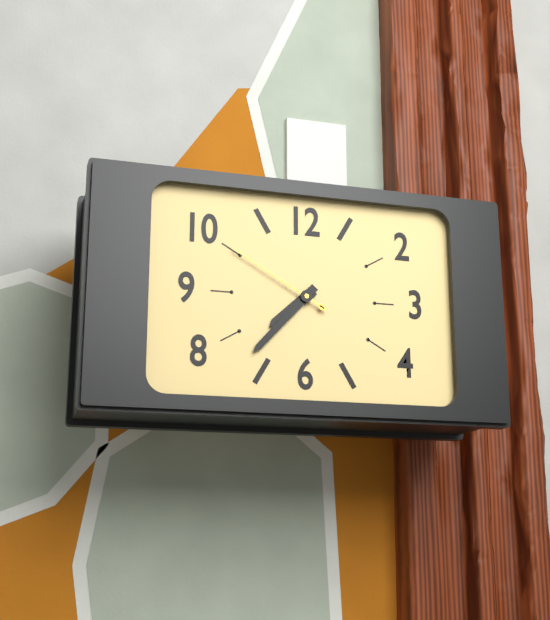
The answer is 7,37,50
